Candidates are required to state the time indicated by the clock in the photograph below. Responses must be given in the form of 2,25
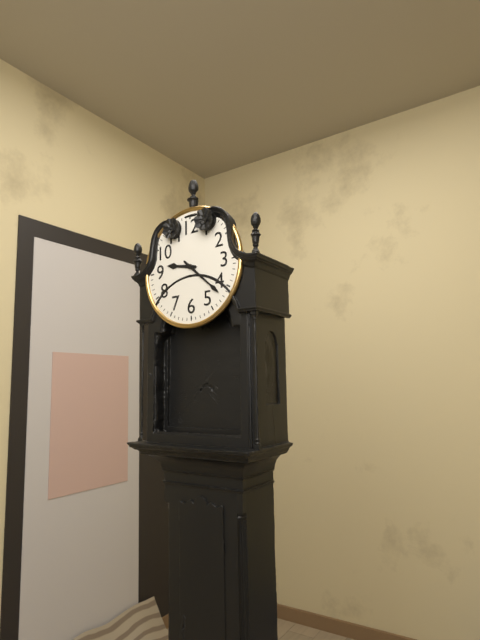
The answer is 9,22
